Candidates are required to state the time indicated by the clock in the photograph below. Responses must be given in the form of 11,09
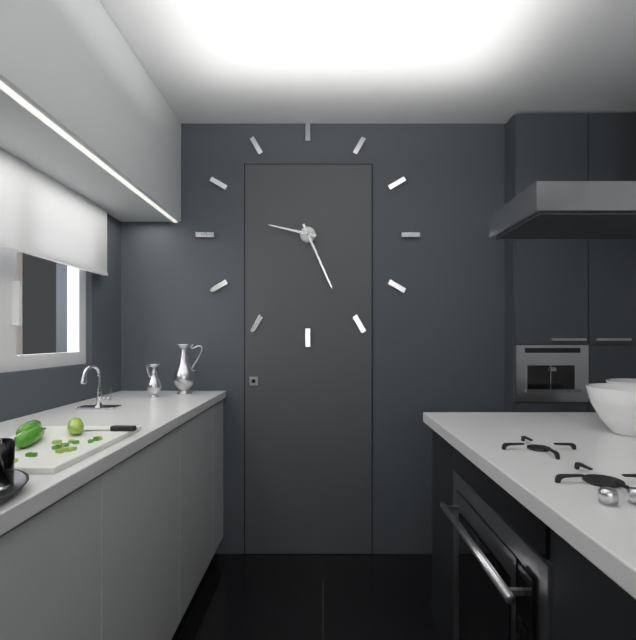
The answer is 9,26
